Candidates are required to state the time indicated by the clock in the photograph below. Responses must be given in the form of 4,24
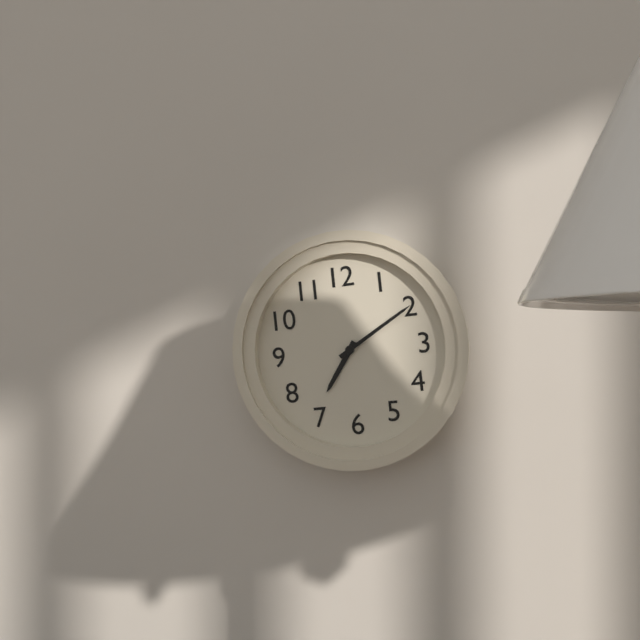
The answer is 7,10
